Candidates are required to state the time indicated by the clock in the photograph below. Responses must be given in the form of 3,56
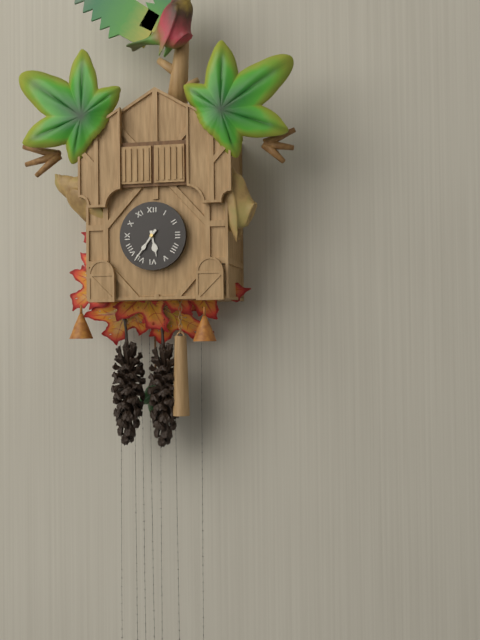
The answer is 5,36
